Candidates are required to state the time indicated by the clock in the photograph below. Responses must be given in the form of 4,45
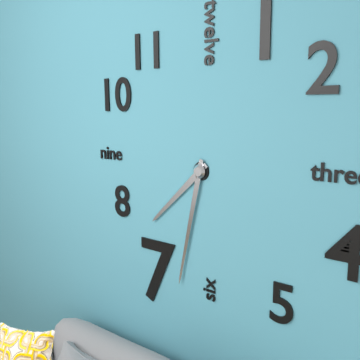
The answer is 7,32
